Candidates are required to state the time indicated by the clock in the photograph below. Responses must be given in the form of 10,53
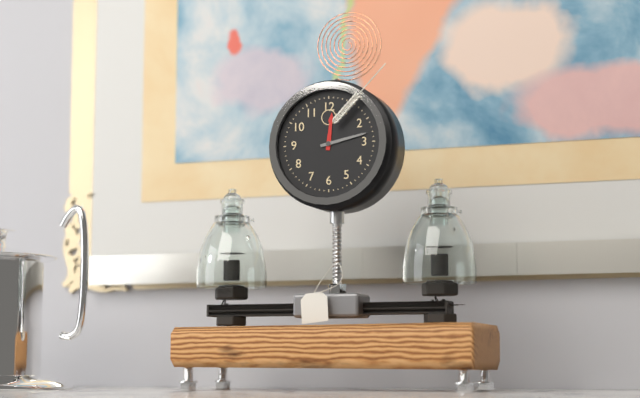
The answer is 12,13
